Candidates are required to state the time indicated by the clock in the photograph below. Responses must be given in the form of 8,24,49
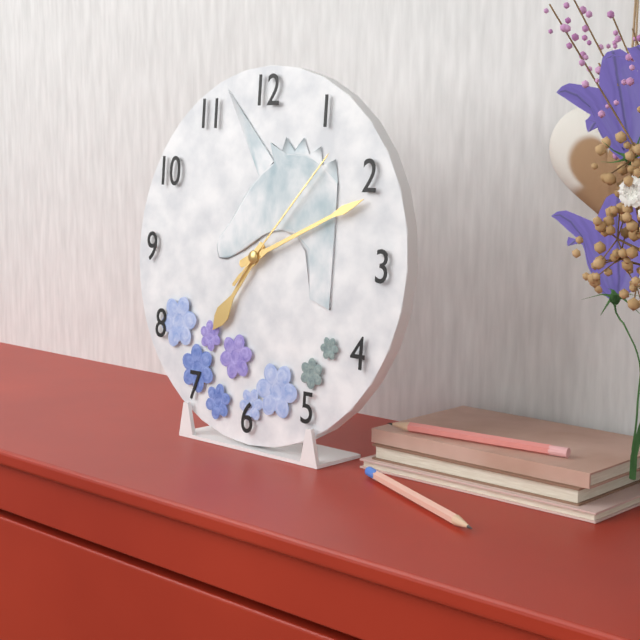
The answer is 7,11,07
